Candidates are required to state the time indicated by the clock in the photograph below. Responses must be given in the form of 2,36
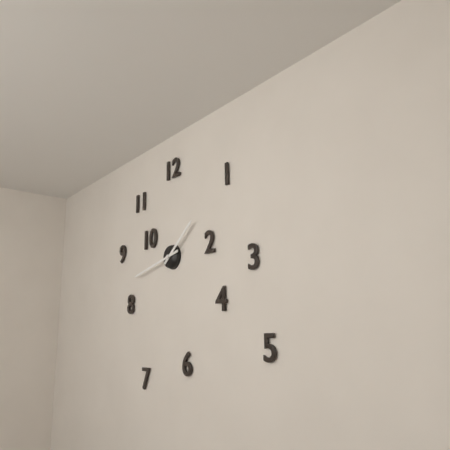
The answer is 1,43
